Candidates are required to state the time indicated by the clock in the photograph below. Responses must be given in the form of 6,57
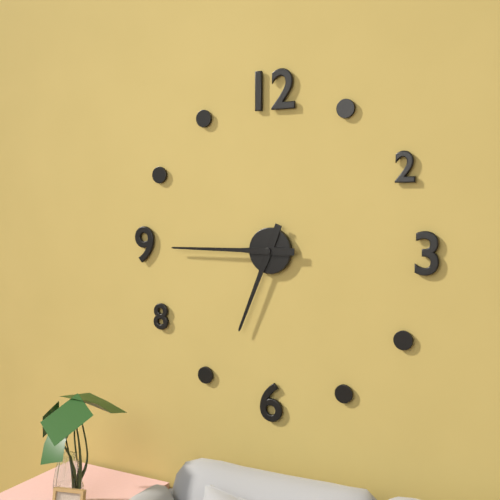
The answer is 6,45
